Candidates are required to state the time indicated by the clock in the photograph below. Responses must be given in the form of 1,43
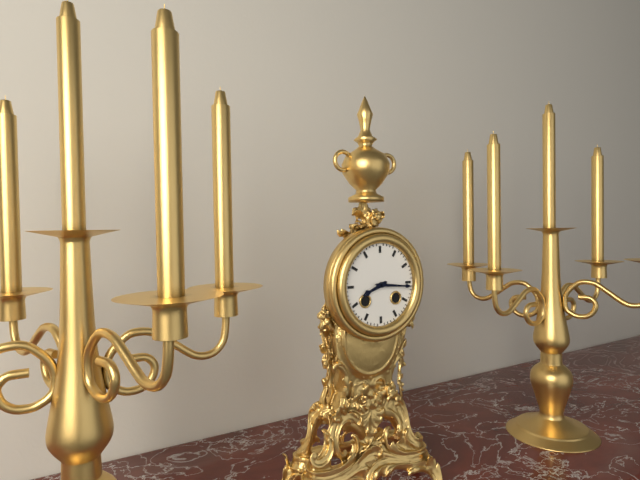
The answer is 8,16
